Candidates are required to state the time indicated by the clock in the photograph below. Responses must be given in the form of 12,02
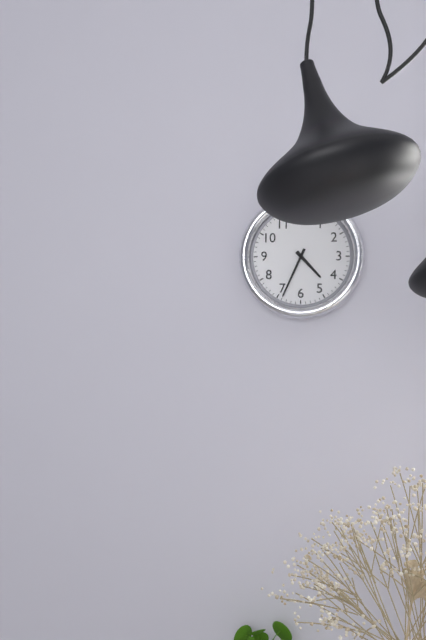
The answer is 4,34
